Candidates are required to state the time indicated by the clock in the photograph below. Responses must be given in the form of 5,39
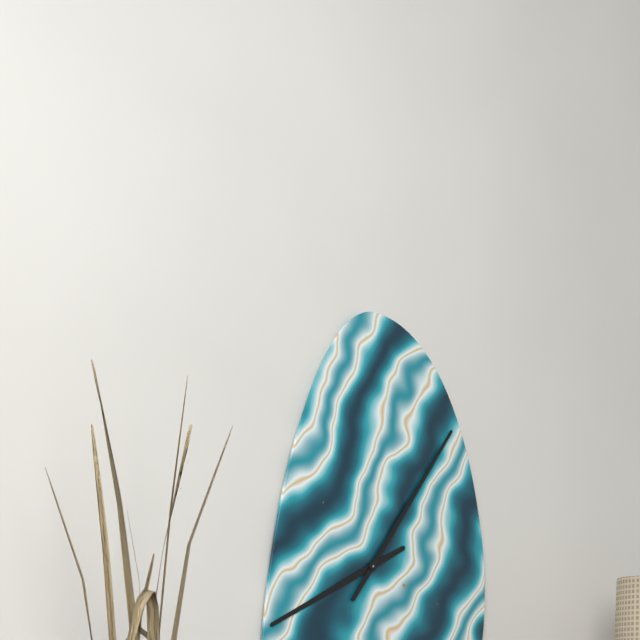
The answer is 8,06
